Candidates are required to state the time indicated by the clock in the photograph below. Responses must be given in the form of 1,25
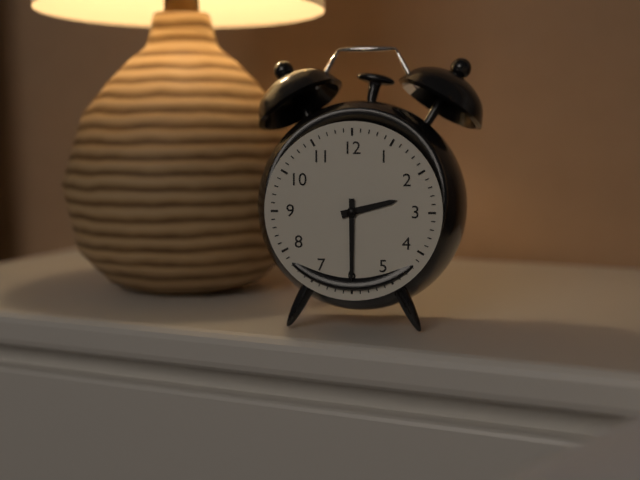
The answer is 2,30
